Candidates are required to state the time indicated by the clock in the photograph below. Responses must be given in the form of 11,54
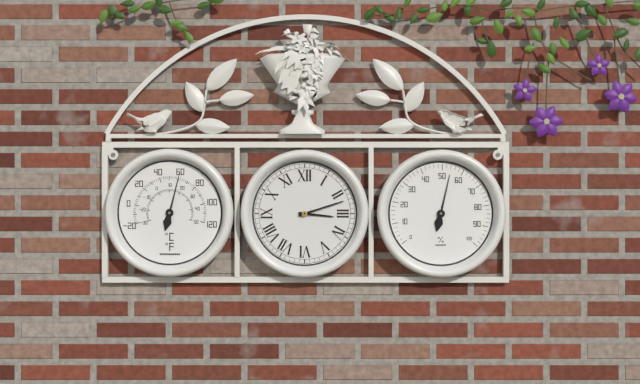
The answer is 3,12
